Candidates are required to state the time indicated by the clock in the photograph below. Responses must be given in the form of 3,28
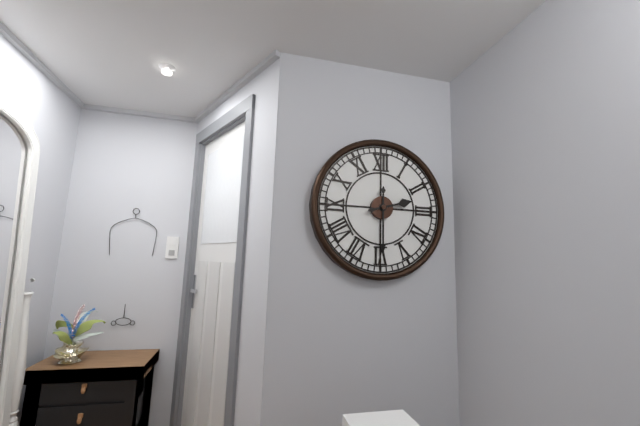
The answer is 2,30
